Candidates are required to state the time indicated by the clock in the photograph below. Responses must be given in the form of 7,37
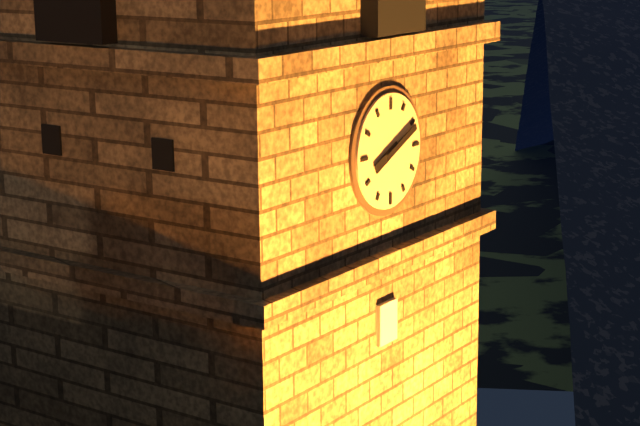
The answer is 8,11
